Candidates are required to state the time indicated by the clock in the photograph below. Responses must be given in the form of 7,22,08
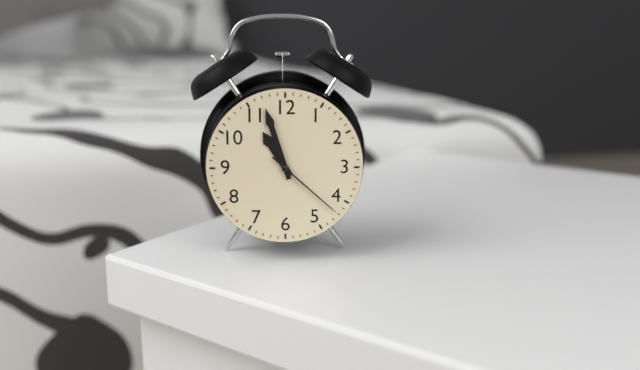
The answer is 10,57,22
